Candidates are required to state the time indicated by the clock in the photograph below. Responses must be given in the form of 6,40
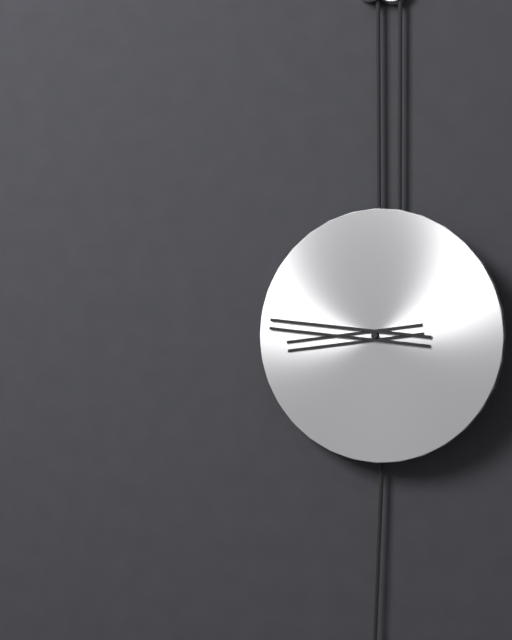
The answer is 8,46
